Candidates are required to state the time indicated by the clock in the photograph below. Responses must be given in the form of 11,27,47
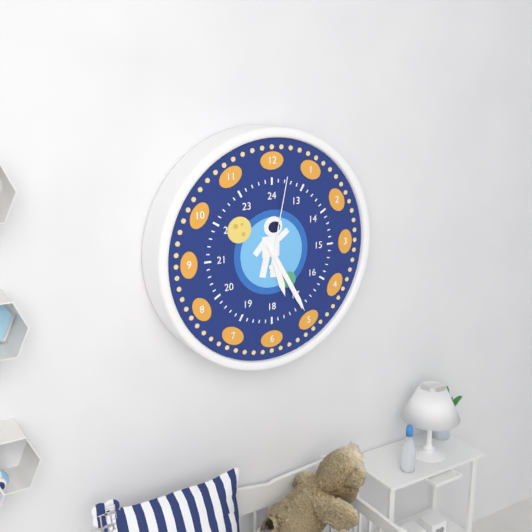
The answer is 5,25,02
